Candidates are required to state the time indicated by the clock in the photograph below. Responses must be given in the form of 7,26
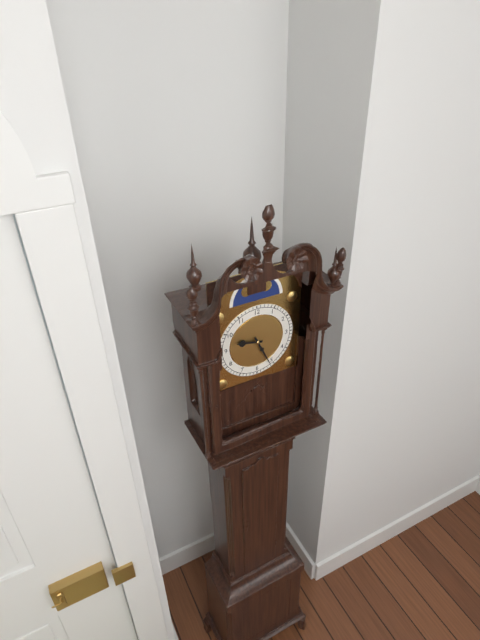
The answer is 9,26
